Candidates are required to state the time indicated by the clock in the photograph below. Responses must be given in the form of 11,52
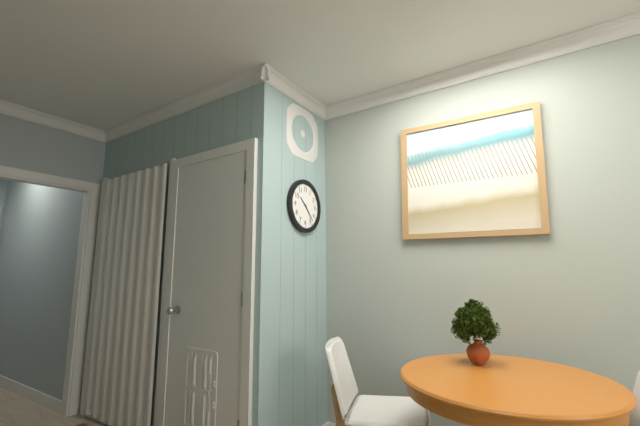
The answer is 10,23
